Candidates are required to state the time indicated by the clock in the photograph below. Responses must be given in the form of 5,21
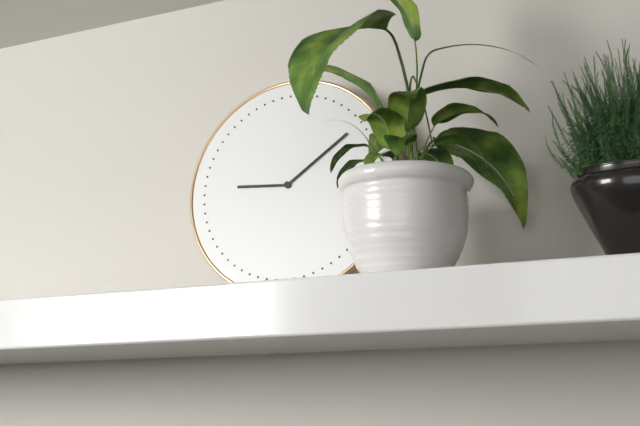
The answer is 9,09
